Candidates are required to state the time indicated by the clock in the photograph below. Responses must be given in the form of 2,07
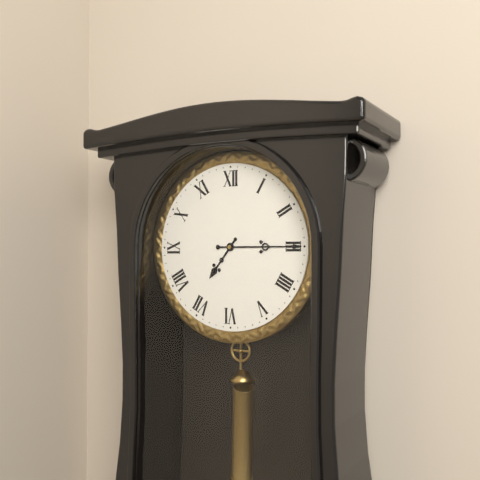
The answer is 7,15
